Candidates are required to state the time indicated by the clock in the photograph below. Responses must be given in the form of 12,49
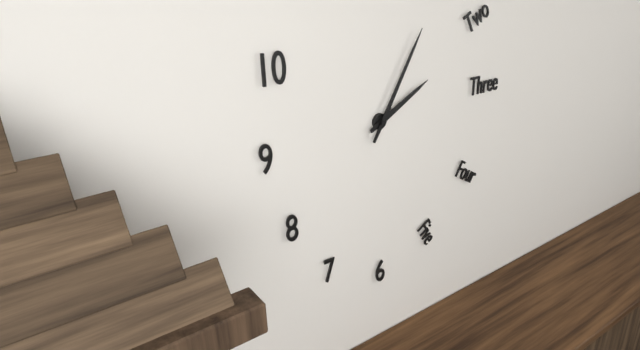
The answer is 2,05
